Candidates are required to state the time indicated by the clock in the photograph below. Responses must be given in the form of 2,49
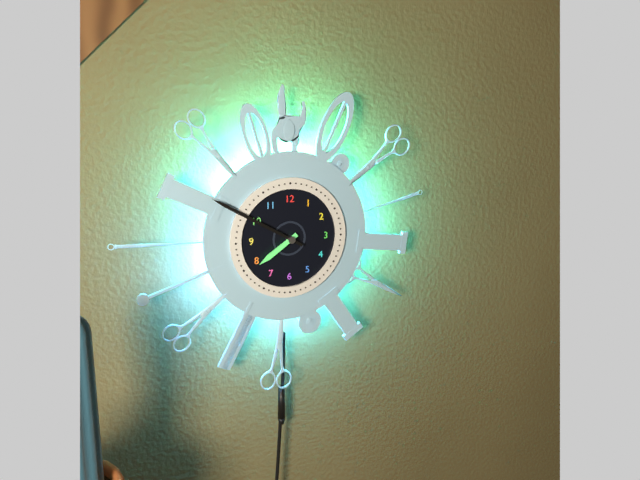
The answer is 7,50
